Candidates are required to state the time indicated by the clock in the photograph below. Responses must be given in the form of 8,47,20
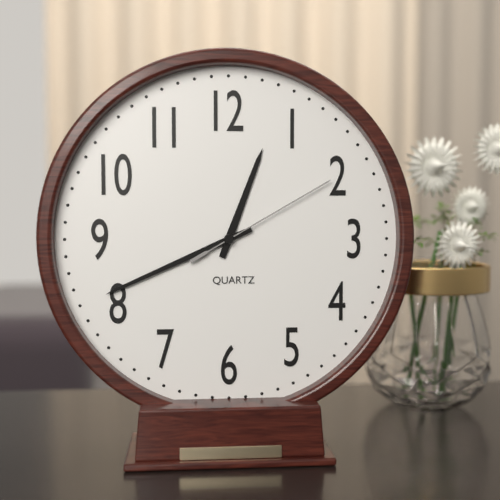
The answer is 12,41,10
